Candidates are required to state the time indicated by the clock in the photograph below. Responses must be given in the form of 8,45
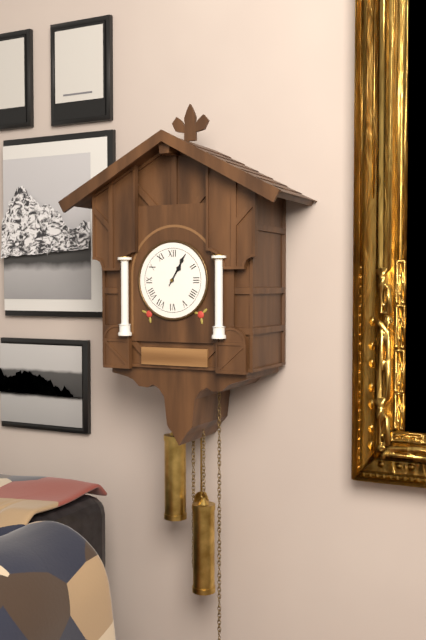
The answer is 1,05
